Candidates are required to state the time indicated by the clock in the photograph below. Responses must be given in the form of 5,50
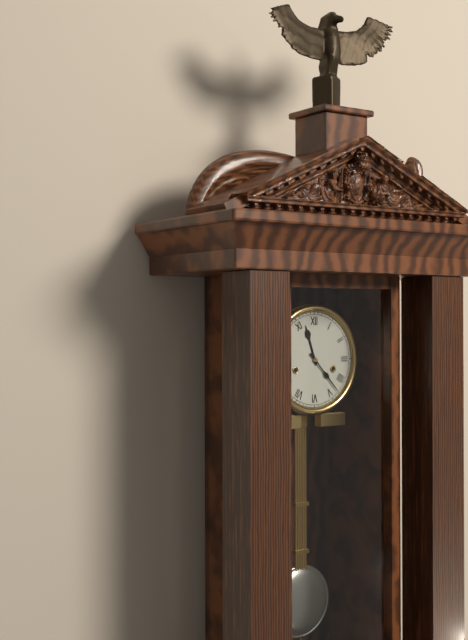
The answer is 11,23
